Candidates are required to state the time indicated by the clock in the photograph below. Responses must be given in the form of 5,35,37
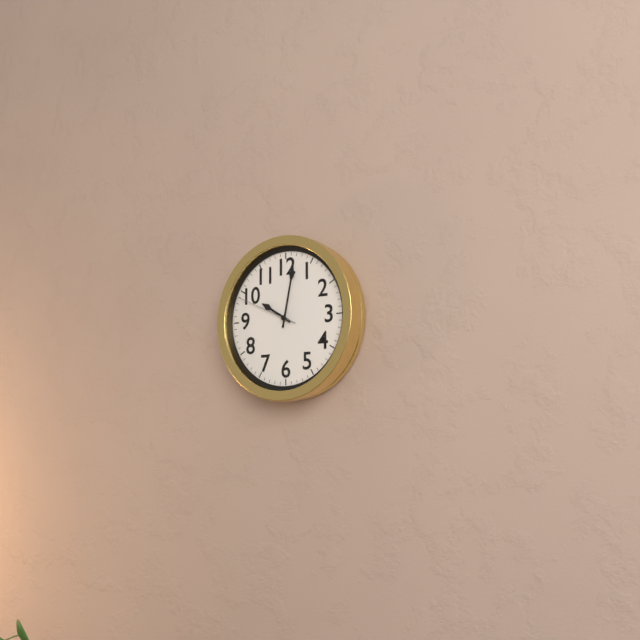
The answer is 10,02,49
